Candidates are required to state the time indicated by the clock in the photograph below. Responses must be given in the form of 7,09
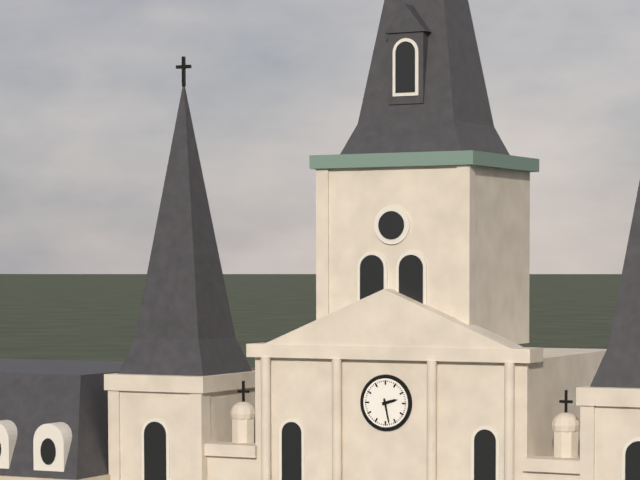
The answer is 2,28
